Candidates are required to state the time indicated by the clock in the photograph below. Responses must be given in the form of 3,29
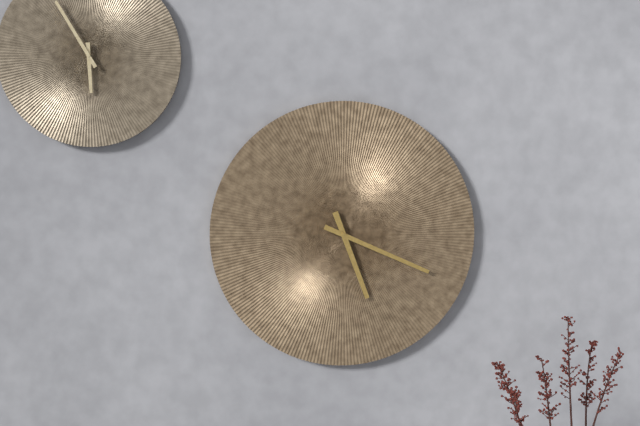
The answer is 5,19
